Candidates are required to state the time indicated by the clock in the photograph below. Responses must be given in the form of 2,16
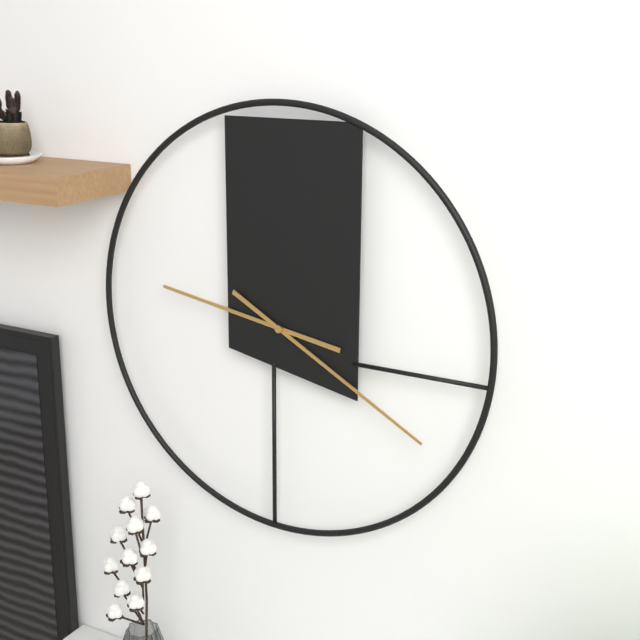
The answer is 9,20
